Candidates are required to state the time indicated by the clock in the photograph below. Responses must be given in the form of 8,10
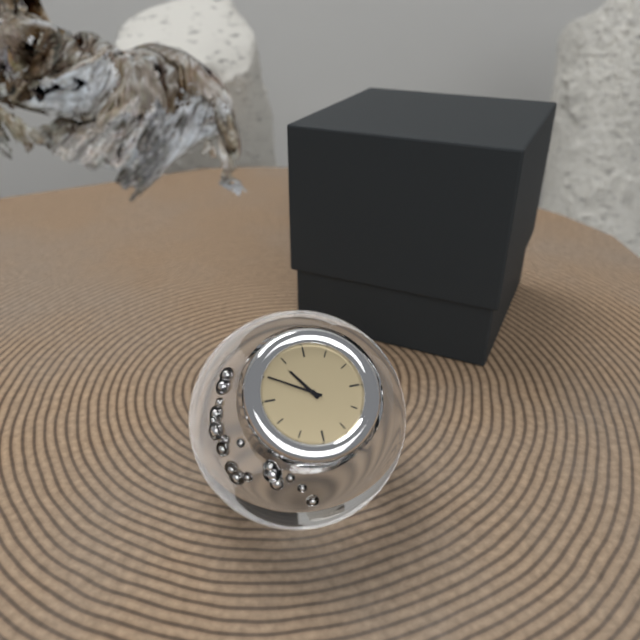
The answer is 10,50
